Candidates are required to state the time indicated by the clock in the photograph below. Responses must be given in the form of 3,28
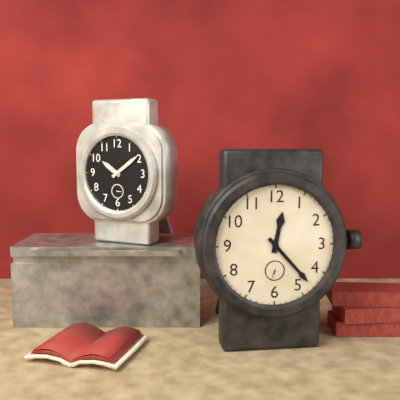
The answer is 12,23
